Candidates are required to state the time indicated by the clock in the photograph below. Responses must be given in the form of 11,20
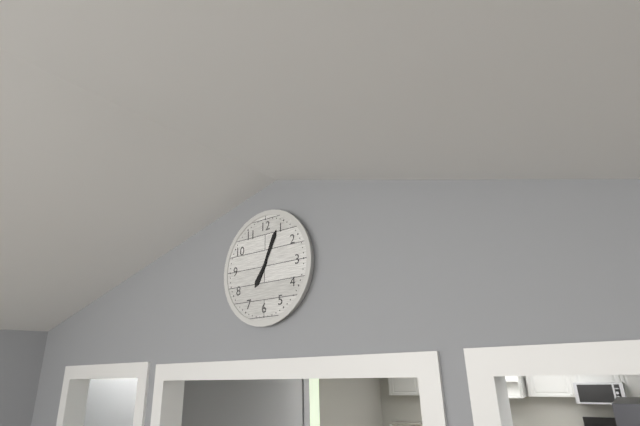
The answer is 7,04
